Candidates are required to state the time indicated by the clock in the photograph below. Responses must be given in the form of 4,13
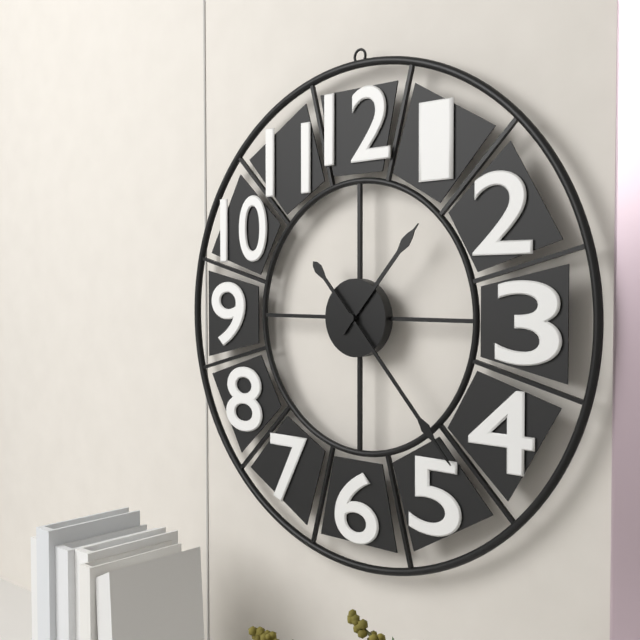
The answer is 1,23
